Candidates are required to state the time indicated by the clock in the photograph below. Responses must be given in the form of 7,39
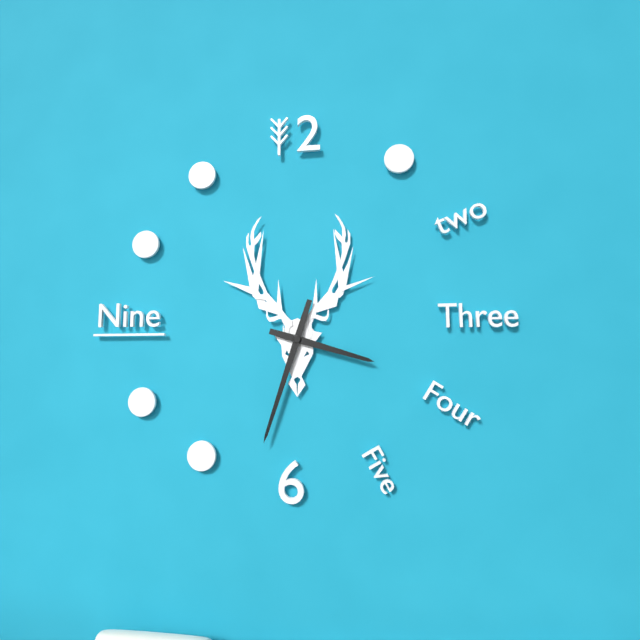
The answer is 3,33
